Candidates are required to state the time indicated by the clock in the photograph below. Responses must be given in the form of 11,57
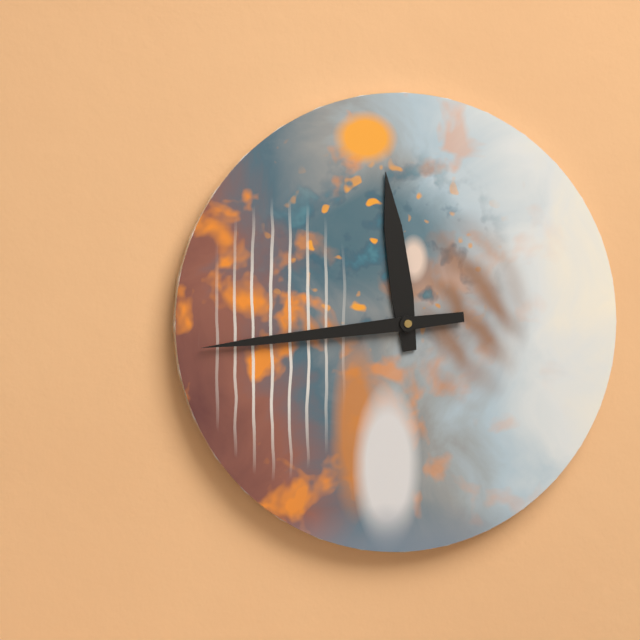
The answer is 11,44
